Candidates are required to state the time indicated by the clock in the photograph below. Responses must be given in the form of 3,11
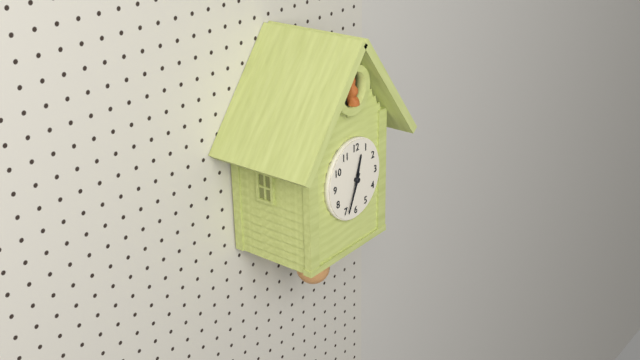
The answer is 12,34
